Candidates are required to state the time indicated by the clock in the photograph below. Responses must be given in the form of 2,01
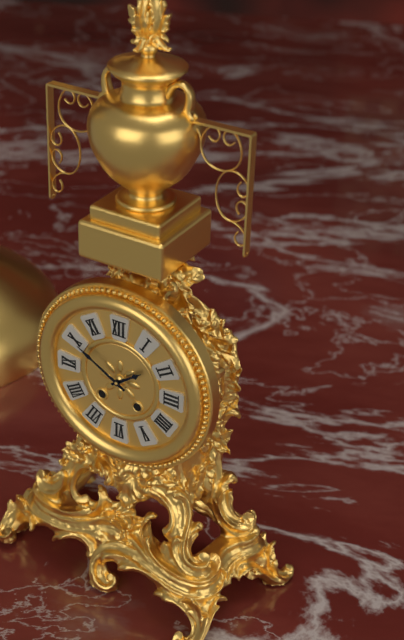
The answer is 1,50
